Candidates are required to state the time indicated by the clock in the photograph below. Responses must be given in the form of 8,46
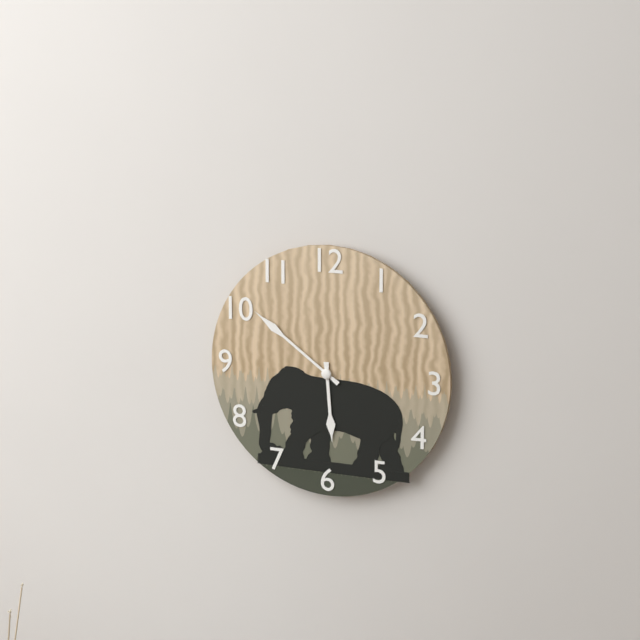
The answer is 5,51
